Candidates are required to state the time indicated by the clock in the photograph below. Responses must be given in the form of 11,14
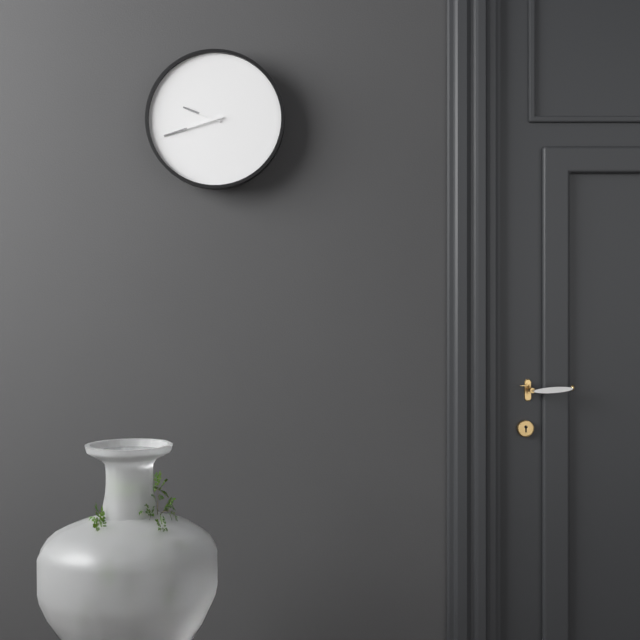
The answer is 9,42
